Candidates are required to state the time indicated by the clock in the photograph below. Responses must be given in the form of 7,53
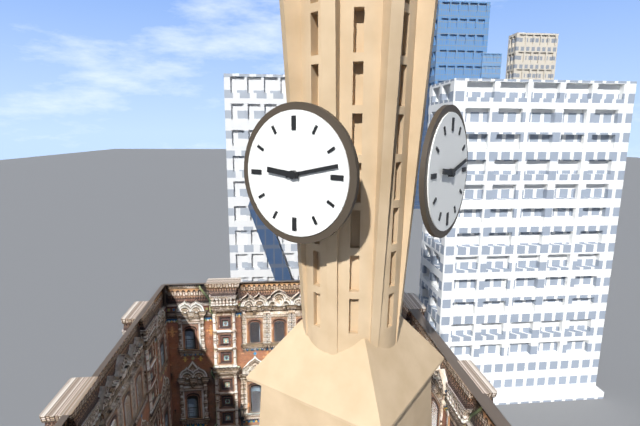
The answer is 9,13
